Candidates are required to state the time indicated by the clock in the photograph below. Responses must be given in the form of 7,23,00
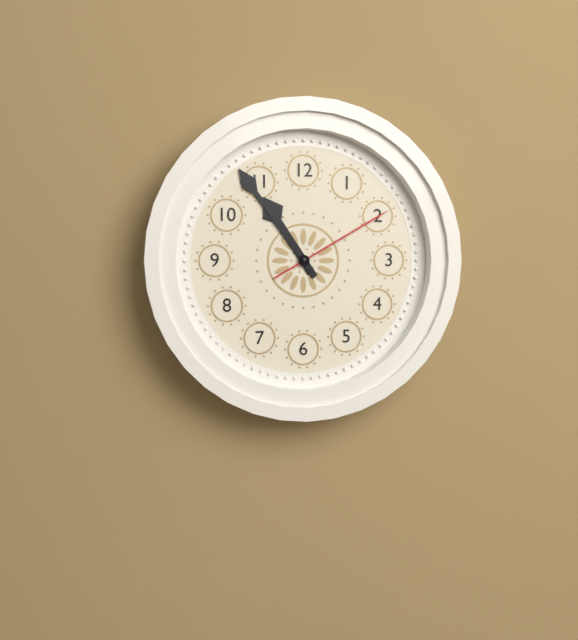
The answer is 10,54,10
